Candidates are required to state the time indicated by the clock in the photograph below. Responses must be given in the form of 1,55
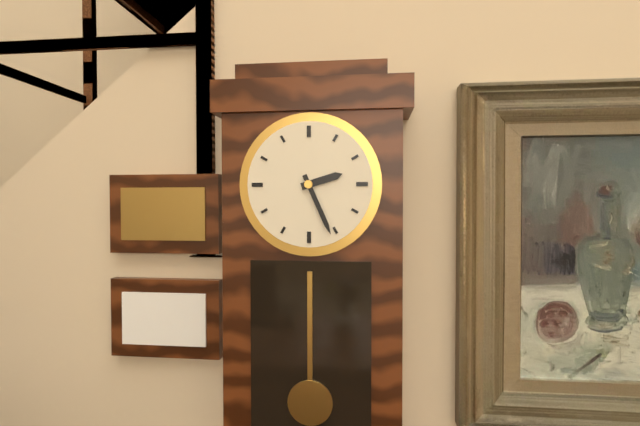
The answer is 2,26
